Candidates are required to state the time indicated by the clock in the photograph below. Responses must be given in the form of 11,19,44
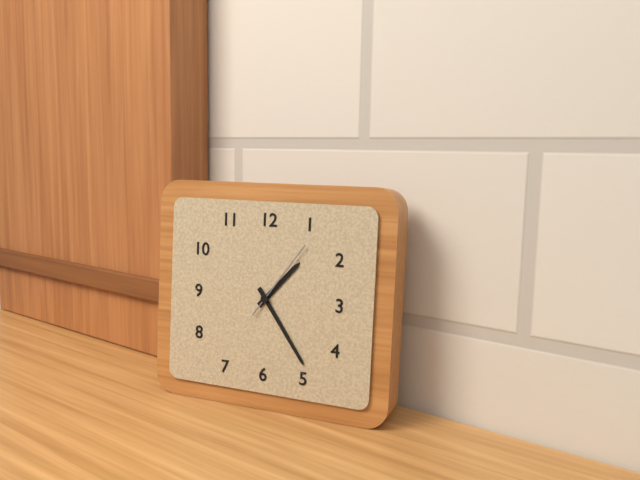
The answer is 1,24,06
